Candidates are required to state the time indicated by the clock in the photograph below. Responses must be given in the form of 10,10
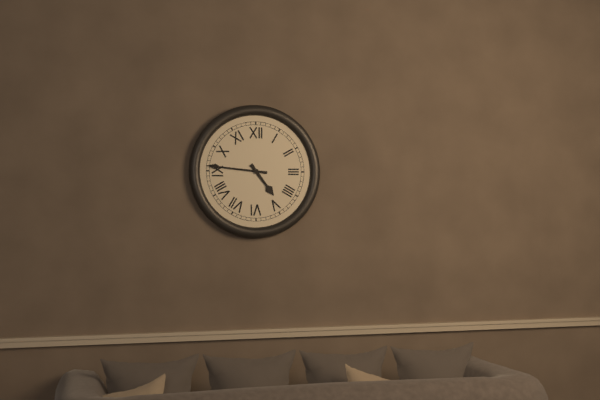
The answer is 4,46
